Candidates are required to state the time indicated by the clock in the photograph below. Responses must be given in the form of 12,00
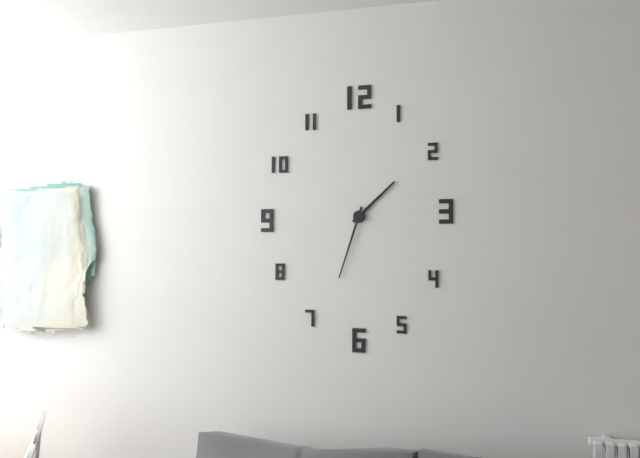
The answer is 1,33
